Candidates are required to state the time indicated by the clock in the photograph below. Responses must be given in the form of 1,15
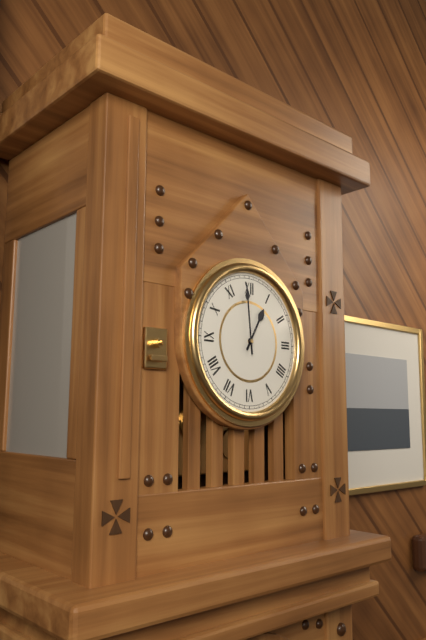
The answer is 12,59
